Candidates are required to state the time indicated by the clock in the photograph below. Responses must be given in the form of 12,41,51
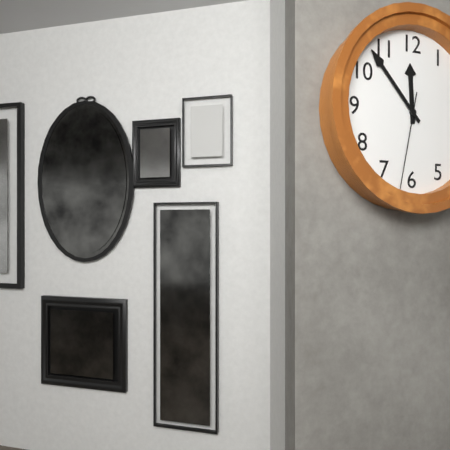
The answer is 11,53,32
